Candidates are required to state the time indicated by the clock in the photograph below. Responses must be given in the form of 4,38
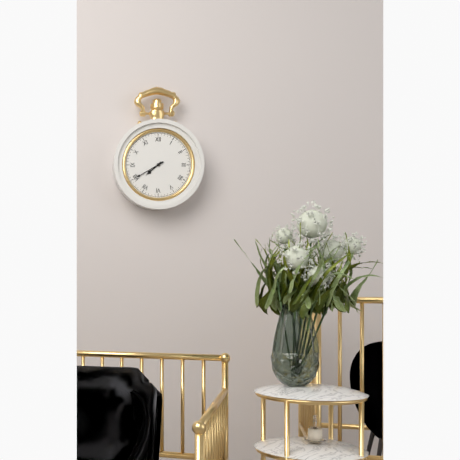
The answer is 7,40
